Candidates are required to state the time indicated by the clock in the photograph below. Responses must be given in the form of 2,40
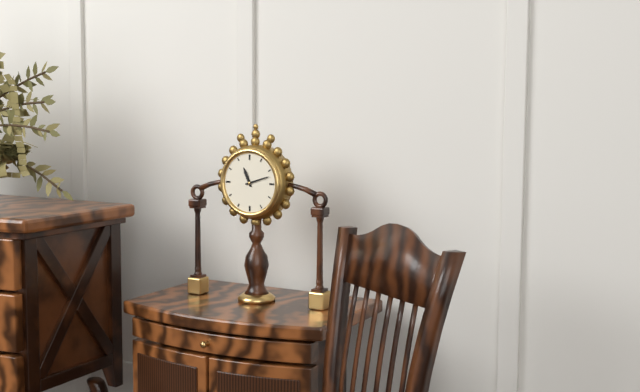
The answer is 11,12
